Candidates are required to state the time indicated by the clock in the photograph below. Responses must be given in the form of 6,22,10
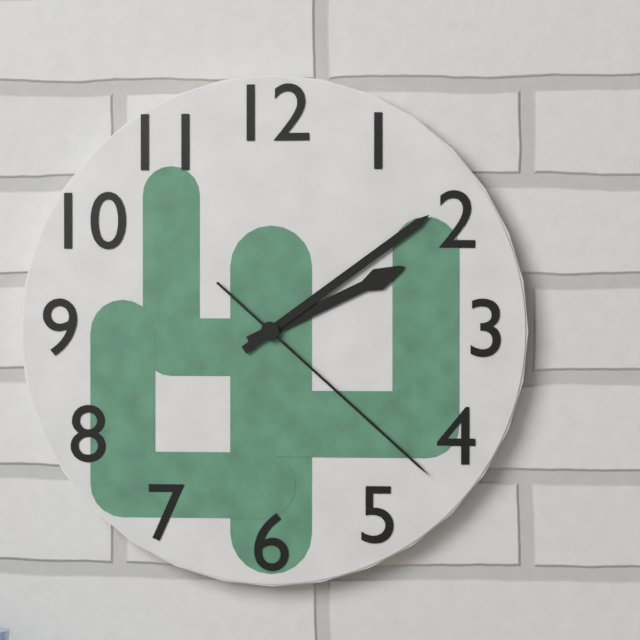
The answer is 2,09,22
